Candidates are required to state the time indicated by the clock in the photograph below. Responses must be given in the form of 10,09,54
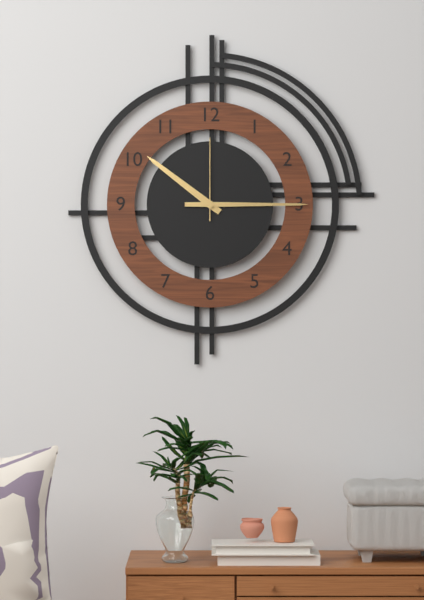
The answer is 10,15,00
